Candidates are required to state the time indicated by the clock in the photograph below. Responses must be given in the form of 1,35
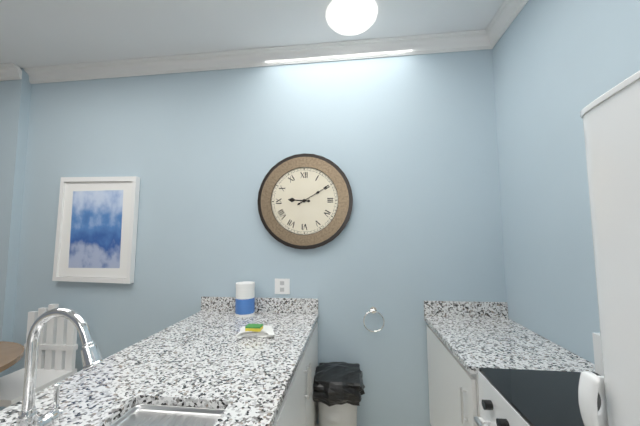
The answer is 9,10
